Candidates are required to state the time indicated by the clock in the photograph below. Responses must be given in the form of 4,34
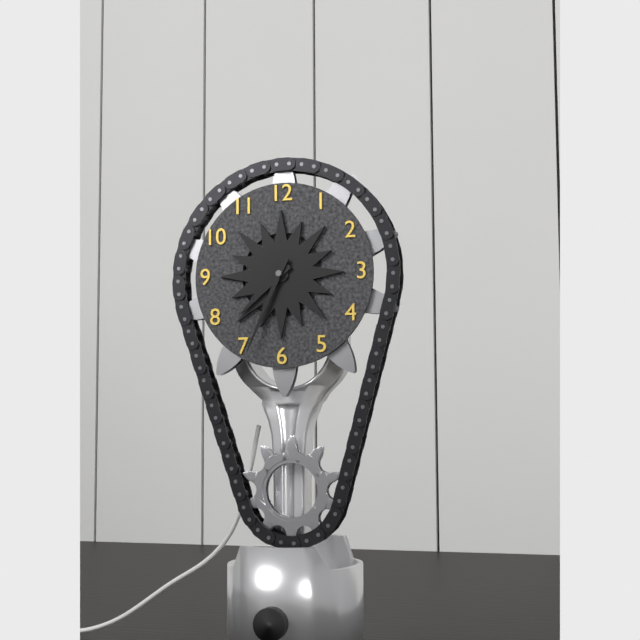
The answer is 7,34
